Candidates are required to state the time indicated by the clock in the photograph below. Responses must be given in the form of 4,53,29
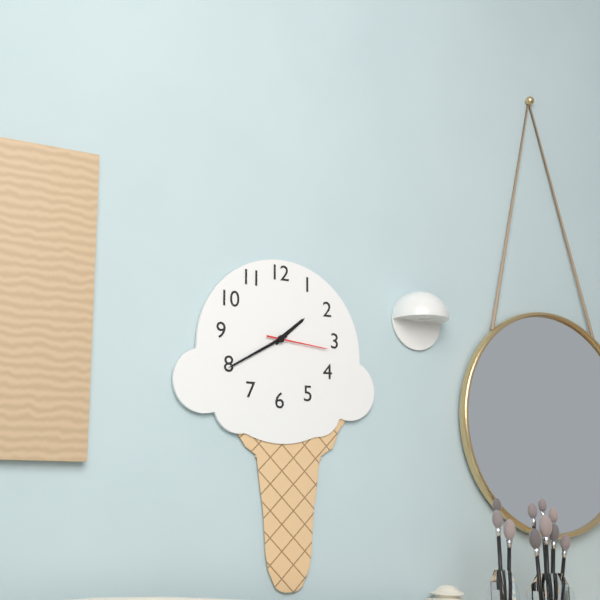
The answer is 1,40,16
